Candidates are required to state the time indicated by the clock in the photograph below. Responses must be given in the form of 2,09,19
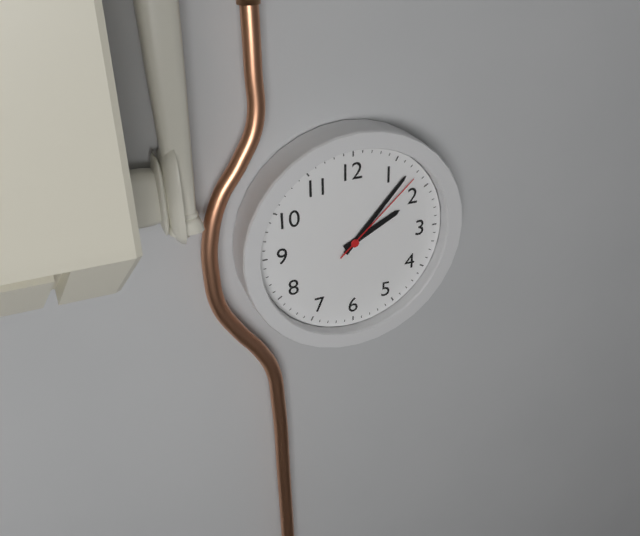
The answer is 2,07,08
